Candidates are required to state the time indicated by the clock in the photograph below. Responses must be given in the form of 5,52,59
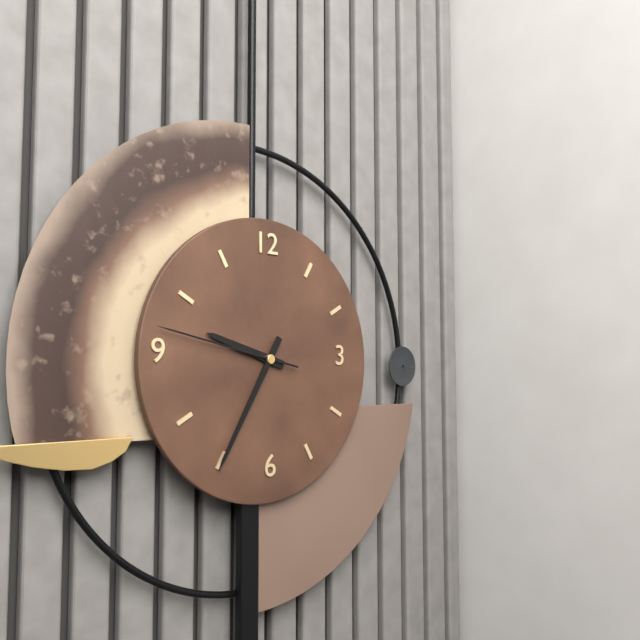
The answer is 9,35,47
